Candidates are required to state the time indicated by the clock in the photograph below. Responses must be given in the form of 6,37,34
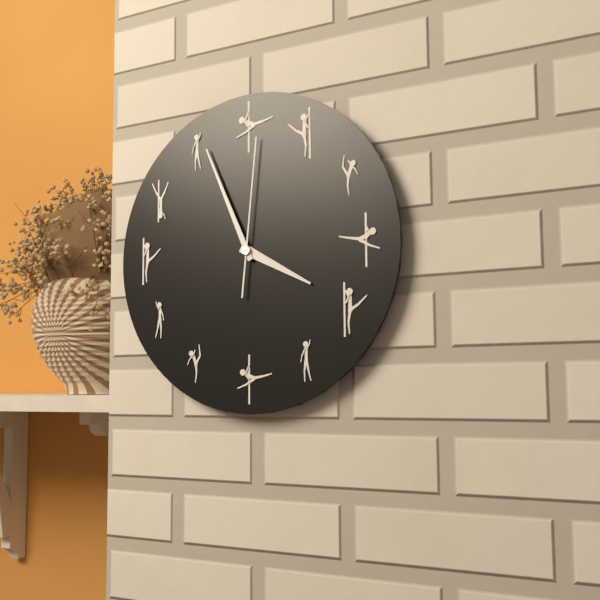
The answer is 3,56,01
